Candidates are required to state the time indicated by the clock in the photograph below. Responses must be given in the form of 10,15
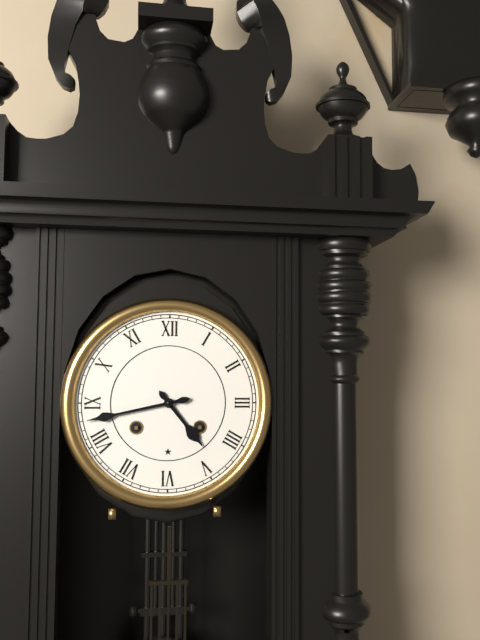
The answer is 4,43
